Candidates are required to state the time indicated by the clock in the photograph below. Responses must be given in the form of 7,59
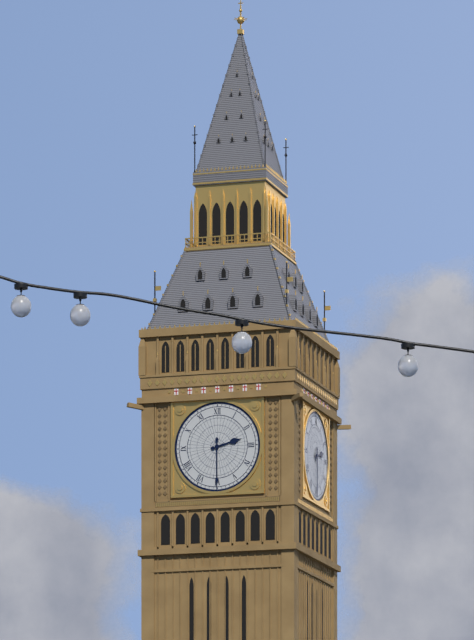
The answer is 2,30
